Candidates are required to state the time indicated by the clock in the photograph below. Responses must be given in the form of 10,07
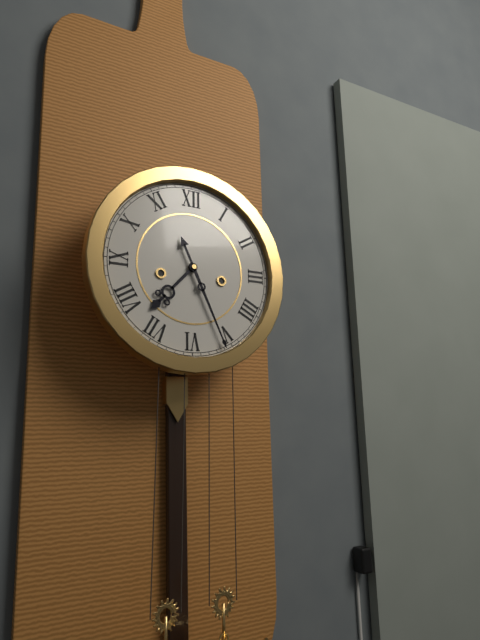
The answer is 7,26
